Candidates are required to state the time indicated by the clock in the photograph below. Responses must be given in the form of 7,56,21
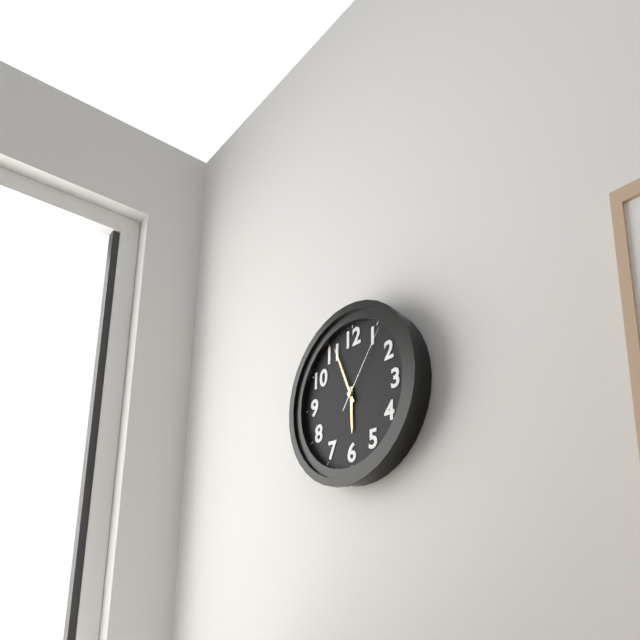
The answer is 5,56,06
